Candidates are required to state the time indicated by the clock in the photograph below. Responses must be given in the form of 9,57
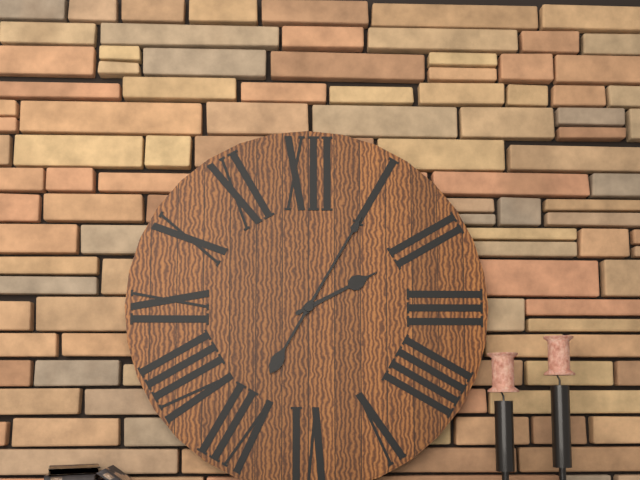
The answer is 2,05
